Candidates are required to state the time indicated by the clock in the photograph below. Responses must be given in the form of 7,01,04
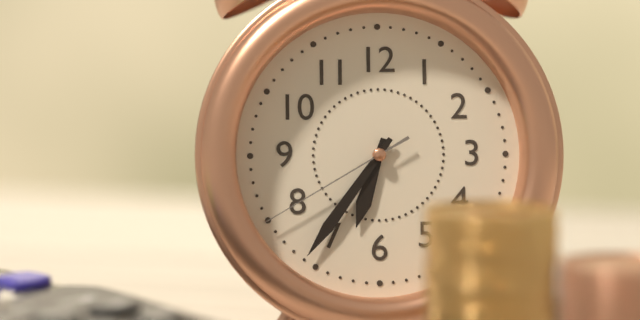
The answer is 6,36,40
